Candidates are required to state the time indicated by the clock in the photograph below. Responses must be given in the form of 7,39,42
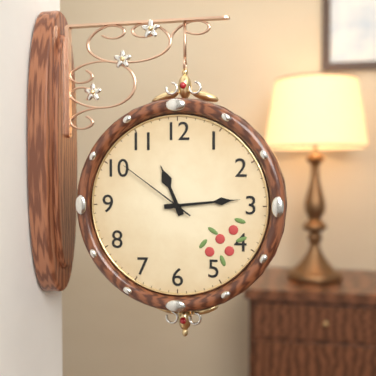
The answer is 11,14,51
